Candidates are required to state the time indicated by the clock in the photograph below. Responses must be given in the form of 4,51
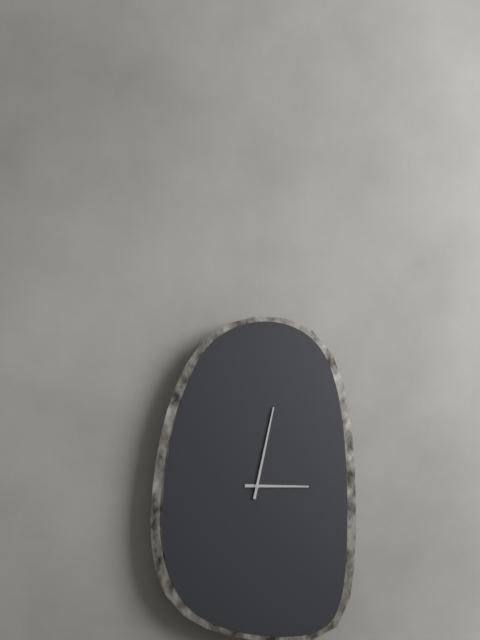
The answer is 3,02
